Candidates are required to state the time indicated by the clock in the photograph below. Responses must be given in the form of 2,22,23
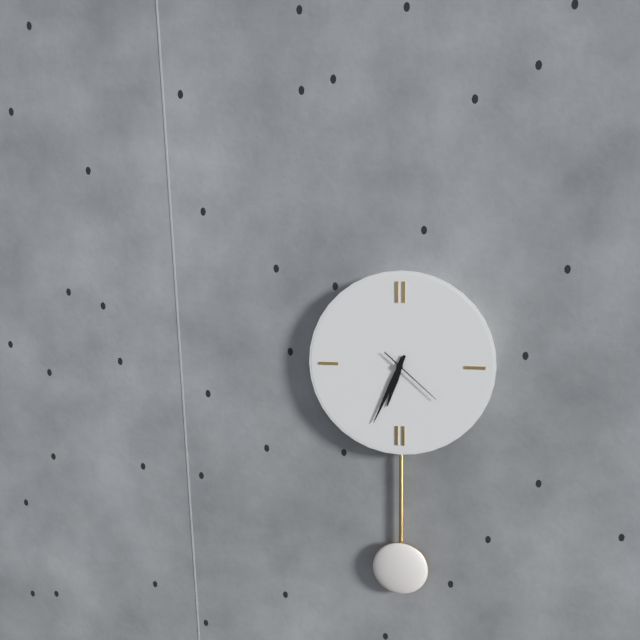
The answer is 6,34,22
